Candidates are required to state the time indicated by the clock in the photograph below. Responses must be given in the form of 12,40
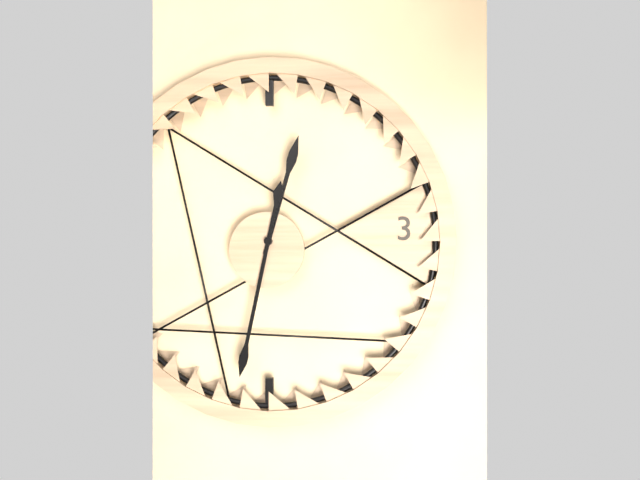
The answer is 12,32
